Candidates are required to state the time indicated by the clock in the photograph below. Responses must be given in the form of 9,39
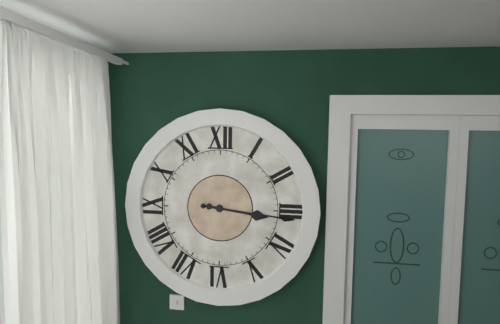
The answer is 3,16
